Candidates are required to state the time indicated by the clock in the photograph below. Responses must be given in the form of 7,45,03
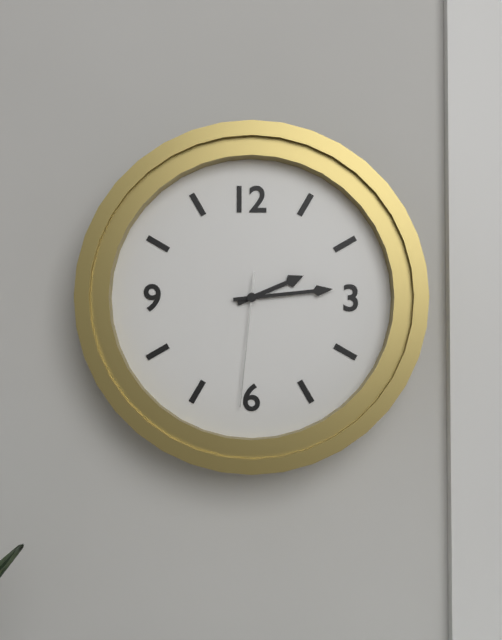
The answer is 2,14,31
